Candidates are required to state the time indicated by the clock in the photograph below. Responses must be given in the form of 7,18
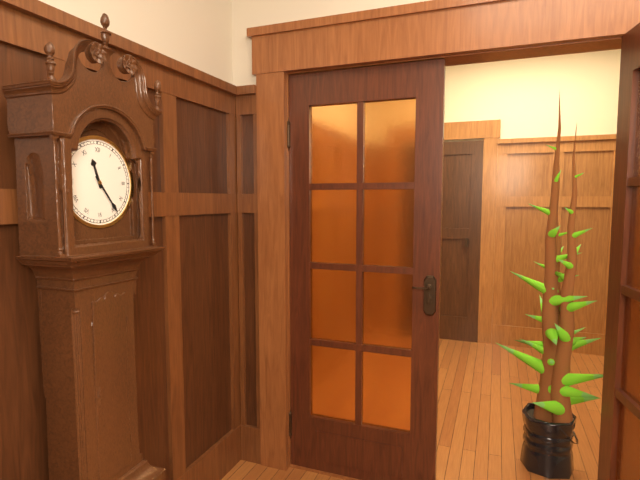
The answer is 11,24
